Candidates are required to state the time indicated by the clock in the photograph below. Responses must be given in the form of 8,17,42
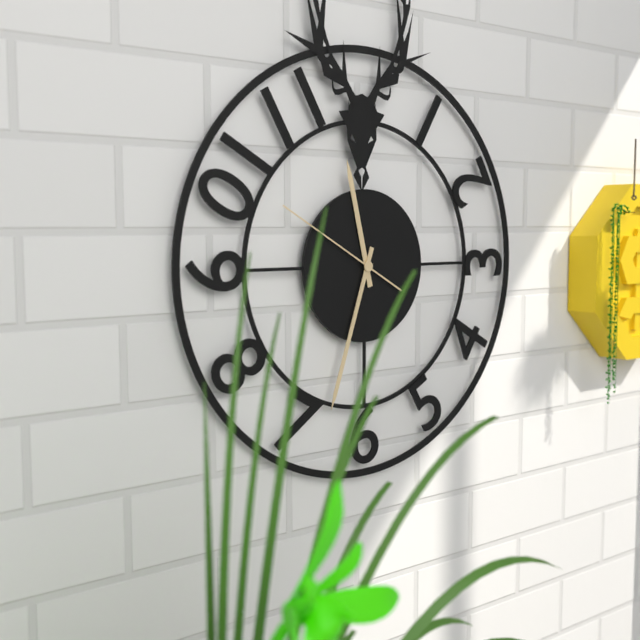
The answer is 11,33,50
